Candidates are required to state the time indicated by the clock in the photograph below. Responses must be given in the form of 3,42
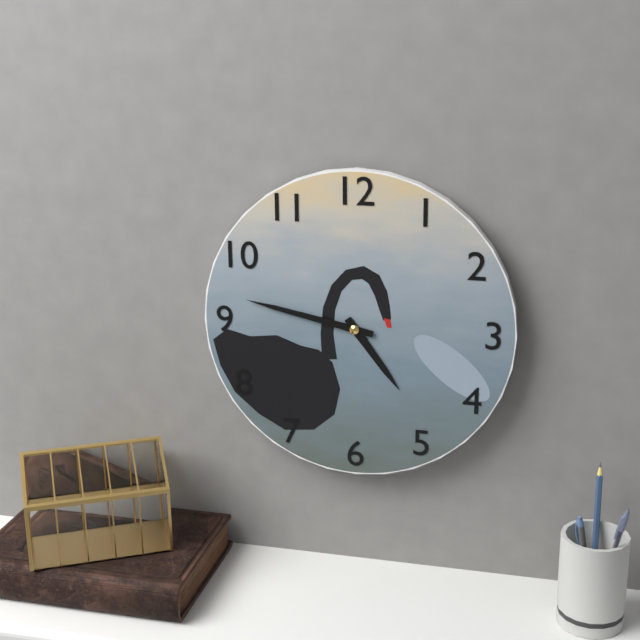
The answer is 4,47
